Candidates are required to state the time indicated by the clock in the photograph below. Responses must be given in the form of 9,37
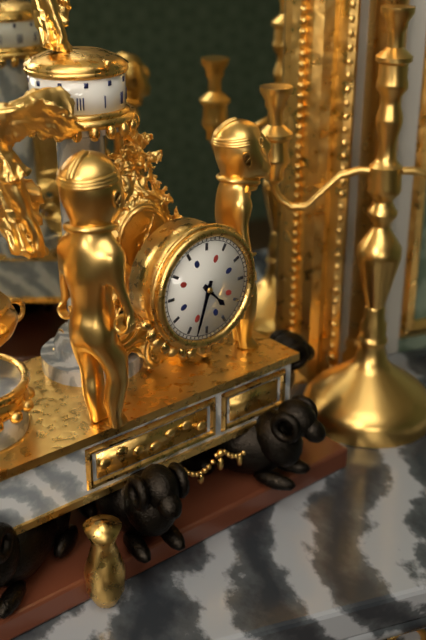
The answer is 4,33
